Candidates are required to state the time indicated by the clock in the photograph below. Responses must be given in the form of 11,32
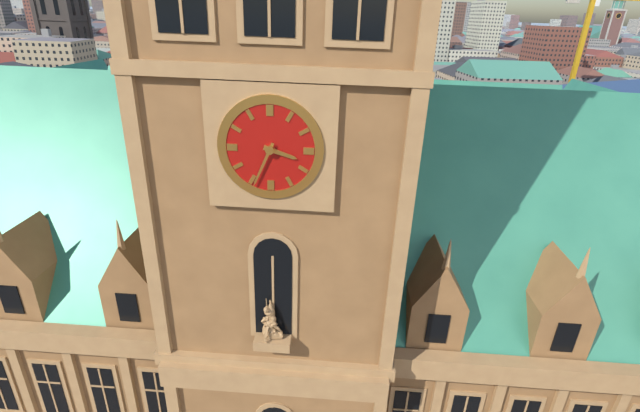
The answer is 3,34
